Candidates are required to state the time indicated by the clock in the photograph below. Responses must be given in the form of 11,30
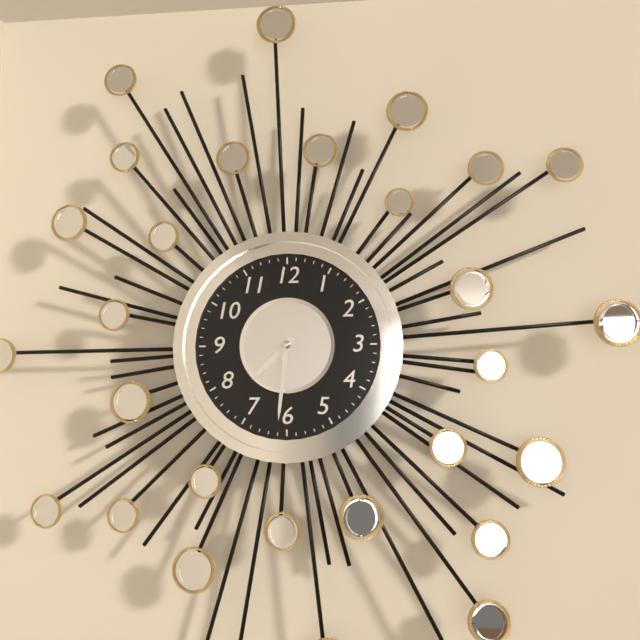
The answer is 7,31
